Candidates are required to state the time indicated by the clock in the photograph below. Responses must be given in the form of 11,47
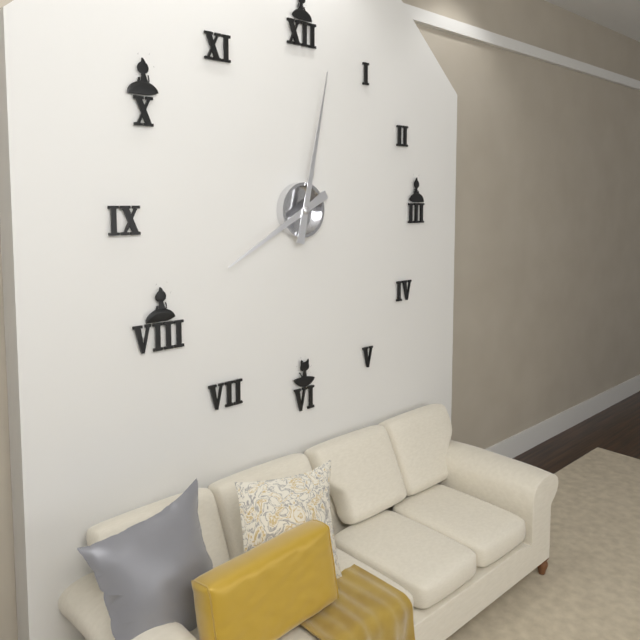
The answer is 8,02
